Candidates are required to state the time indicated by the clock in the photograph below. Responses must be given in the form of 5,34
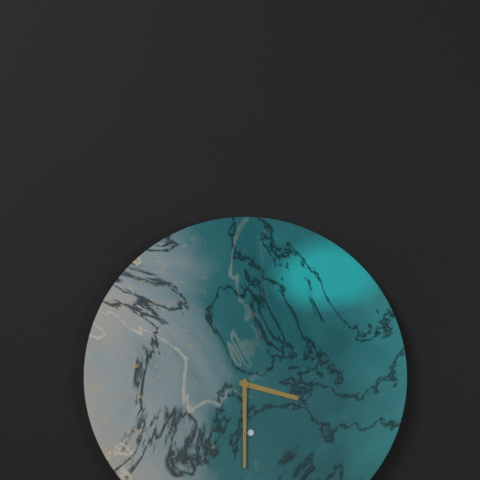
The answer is 3,30
